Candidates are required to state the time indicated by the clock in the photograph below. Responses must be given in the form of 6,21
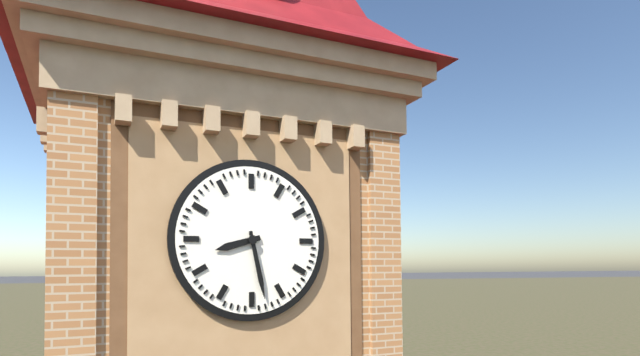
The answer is 8,28
